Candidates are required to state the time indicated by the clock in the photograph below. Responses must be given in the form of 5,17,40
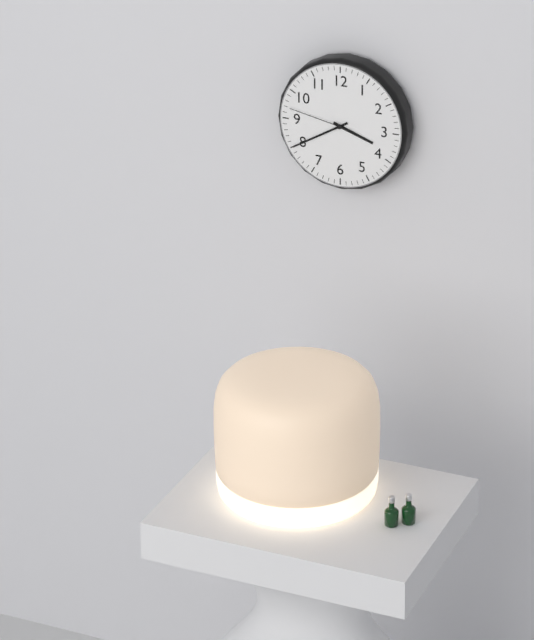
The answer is 3,40,47
